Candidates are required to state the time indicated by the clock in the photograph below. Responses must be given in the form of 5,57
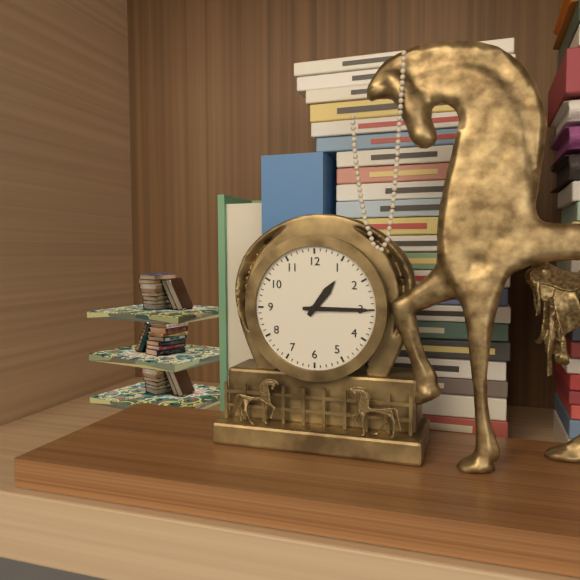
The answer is 1,15
